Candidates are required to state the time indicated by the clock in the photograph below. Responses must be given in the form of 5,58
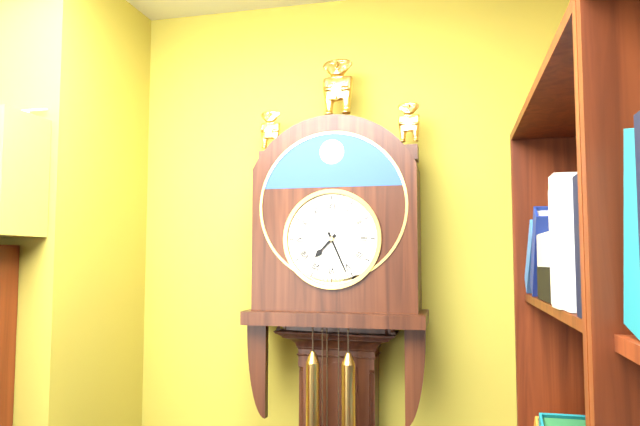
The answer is 7,26
